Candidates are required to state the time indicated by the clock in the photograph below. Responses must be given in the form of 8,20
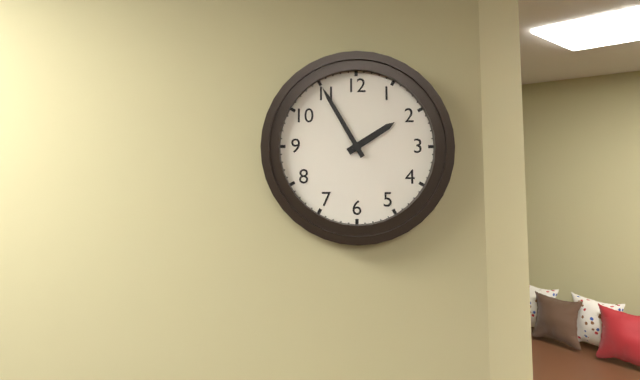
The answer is 1,55
